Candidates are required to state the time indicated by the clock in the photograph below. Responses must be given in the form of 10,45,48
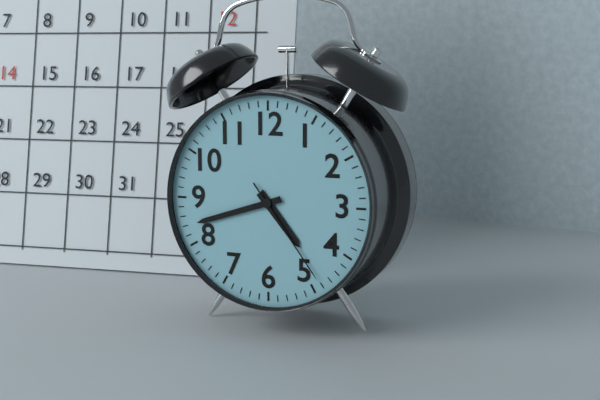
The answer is 4,42,24
